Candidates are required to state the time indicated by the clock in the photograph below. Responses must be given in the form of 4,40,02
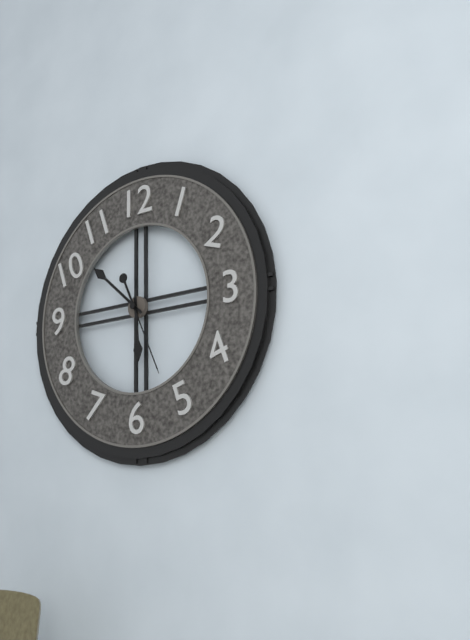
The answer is 5,52,26
